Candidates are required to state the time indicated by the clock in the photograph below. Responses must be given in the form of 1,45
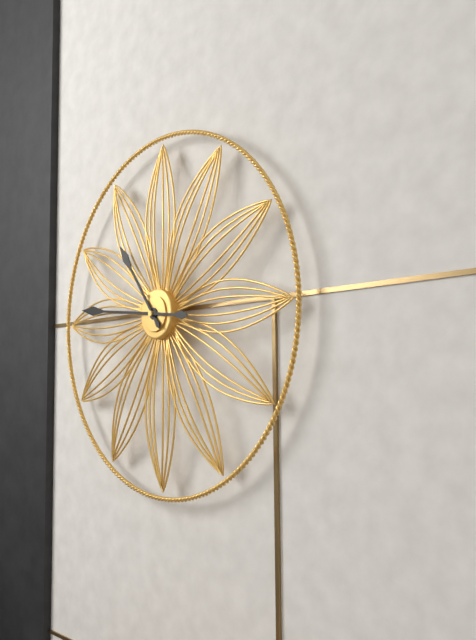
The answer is 10,46
